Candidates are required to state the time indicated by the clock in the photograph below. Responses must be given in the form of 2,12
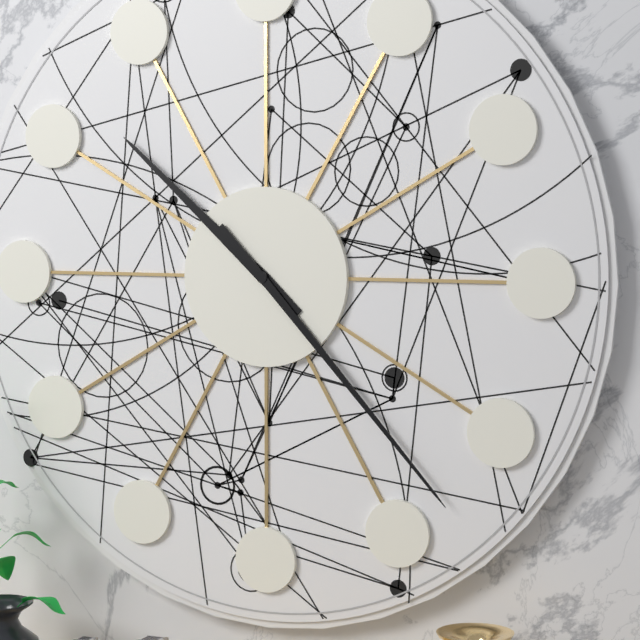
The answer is 10,23
